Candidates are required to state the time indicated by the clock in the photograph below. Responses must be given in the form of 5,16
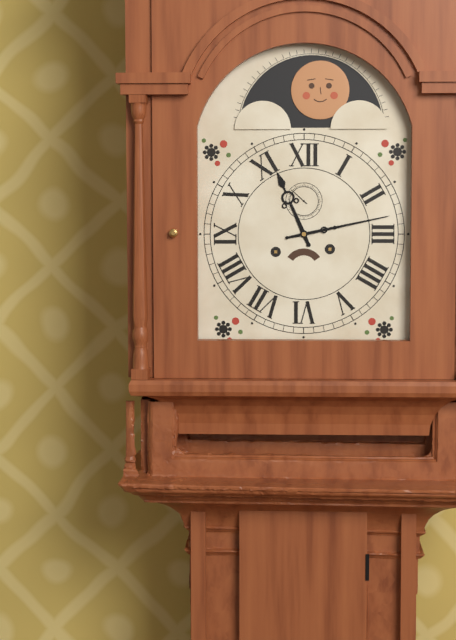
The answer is 11,13
